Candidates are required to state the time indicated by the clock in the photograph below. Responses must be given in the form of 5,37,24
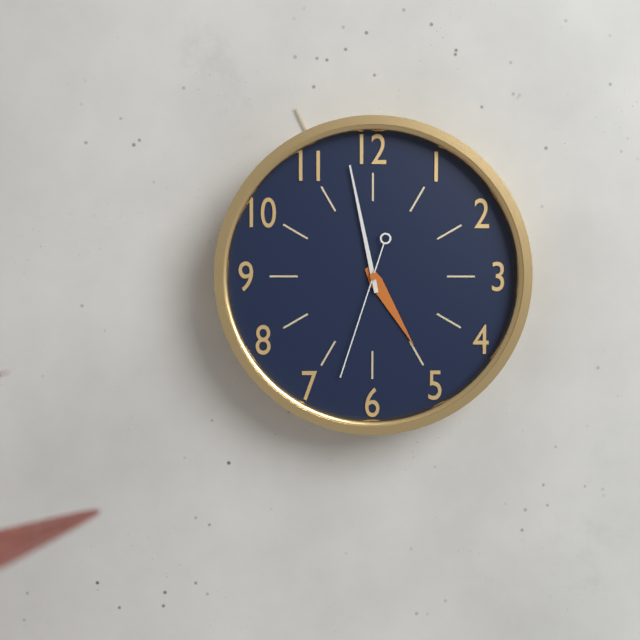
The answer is 4,58,33
